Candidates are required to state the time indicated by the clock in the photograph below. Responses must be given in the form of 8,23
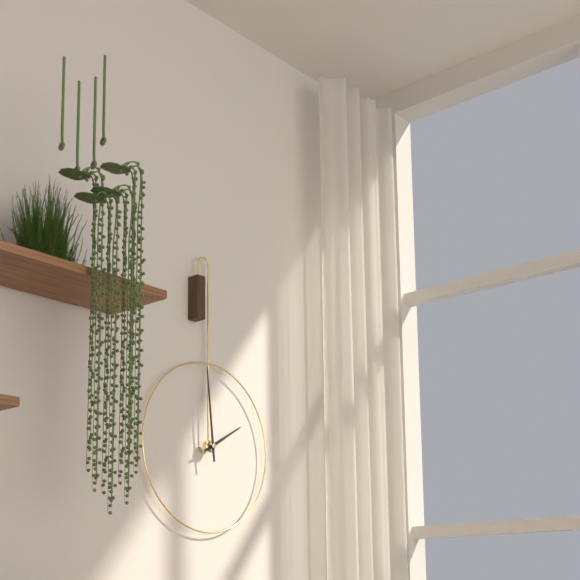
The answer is 1,59
